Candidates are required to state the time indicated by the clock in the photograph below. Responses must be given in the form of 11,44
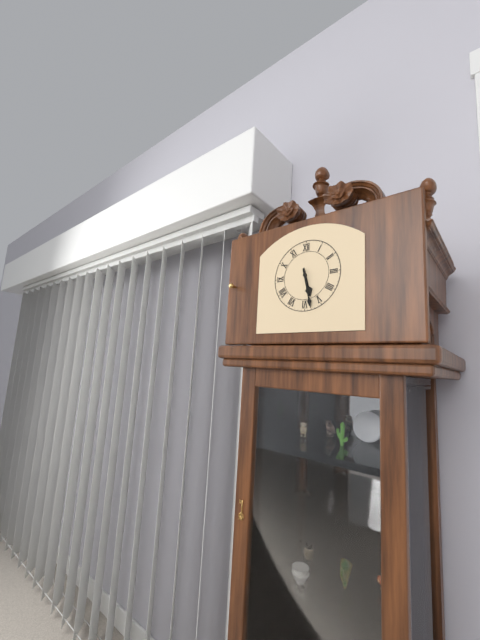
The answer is 5,28
